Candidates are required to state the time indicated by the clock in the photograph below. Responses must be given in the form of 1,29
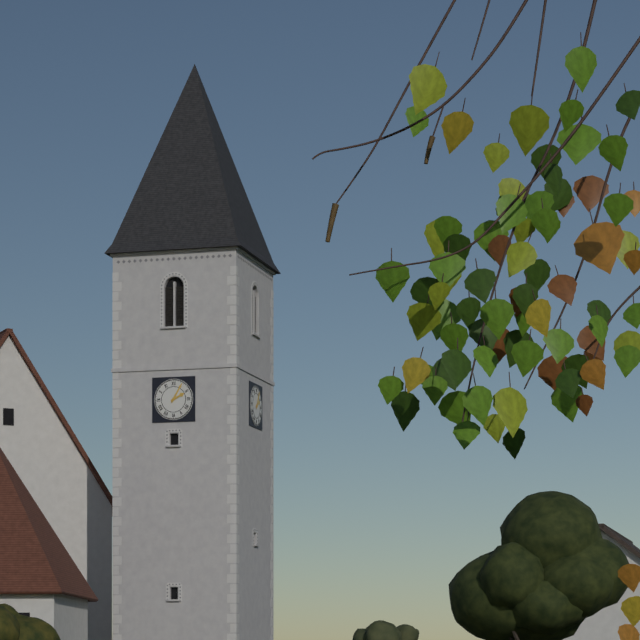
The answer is 2,05
